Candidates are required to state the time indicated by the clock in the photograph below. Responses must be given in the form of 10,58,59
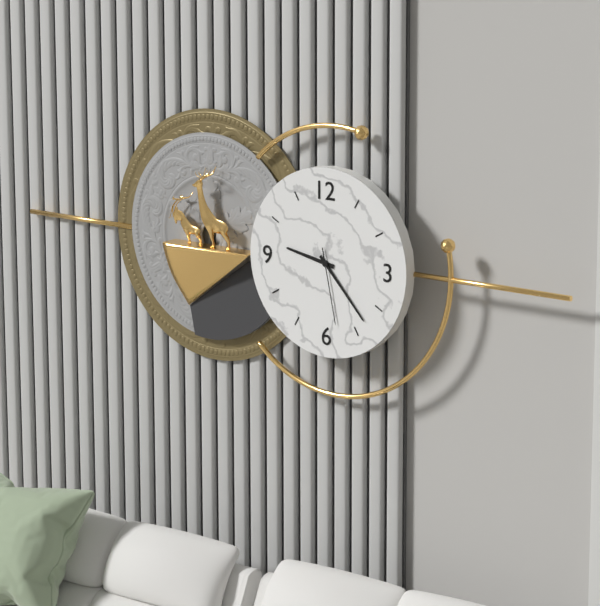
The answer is 9,23,28
